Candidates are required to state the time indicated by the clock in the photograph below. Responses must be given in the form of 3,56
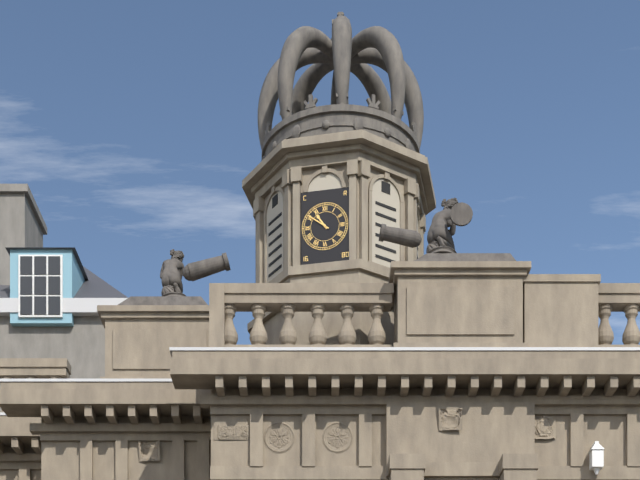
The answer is 10,51
